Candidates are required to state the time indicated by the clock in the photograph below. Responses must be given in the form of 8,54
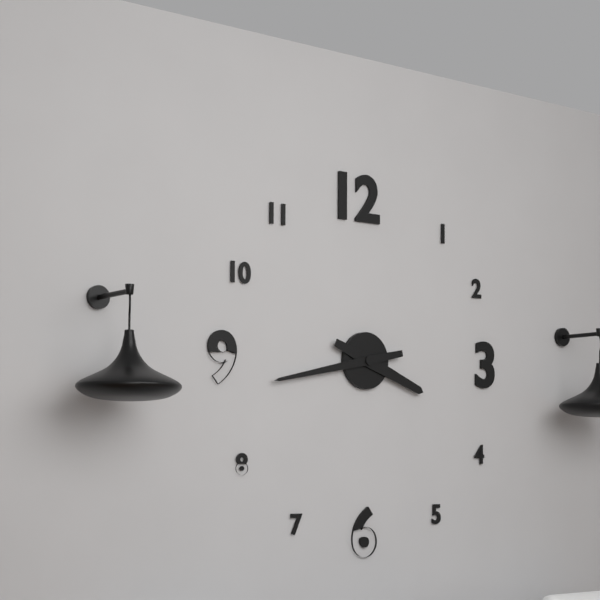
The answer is 3,43
